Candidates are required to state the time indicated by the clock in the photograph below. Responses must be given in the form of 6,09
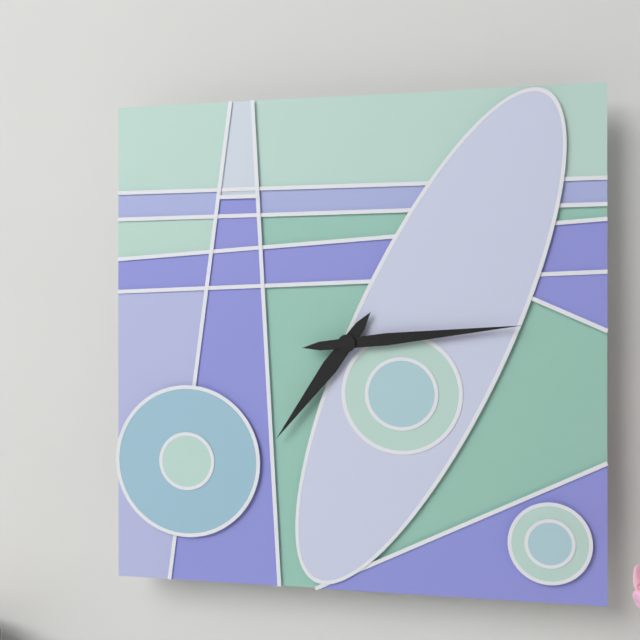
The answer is 7,14
